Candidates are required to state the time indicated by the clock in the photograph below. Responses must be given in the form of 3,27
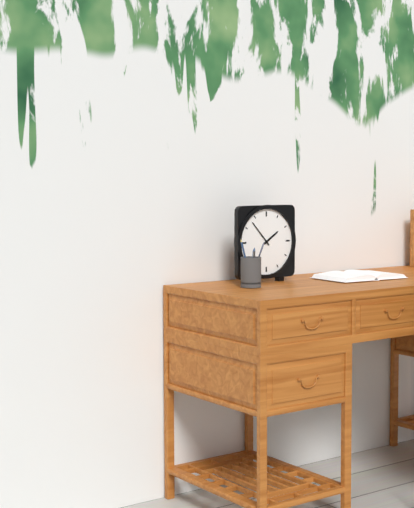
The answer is 1,53
